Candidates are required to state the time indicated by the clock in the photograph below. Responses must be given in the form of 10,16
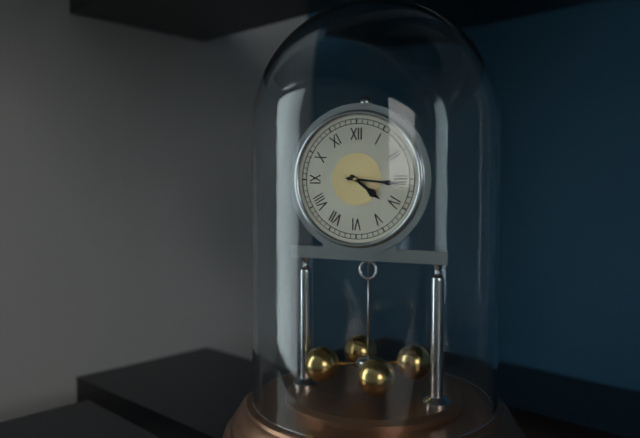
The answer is 4,16
